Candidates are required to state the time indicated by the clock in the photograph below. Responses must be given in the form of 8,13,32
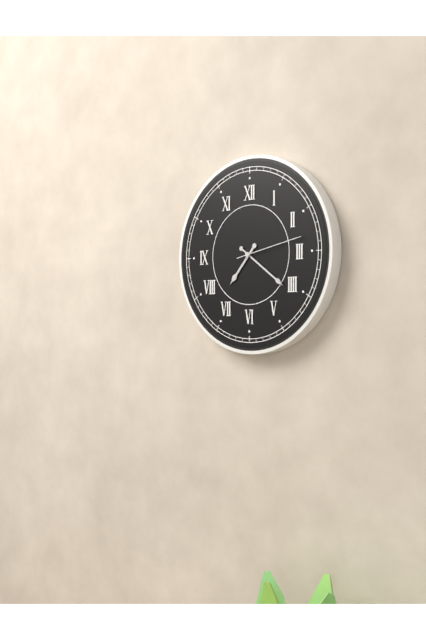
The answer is 7,21,13
